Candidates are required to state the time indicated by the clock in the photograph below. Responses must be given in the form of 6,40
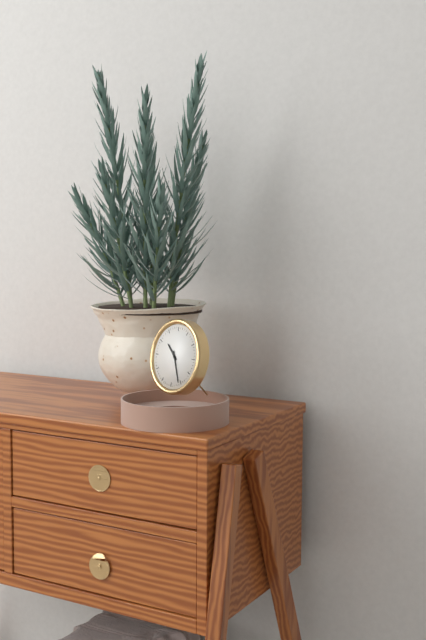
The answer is 10,26
